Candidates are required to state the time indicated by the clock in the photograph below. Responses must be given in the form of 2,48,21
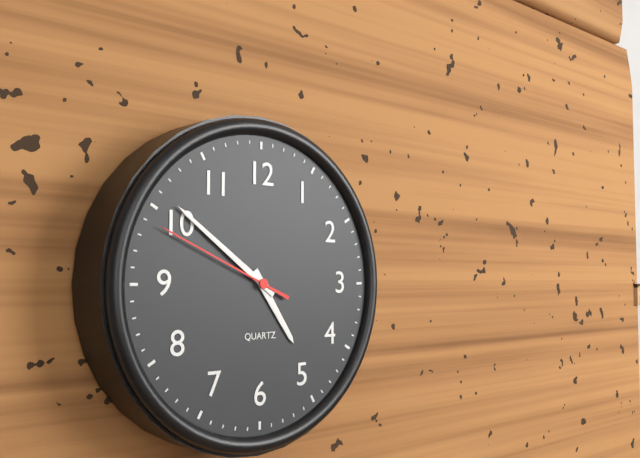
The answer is 4,51,49
